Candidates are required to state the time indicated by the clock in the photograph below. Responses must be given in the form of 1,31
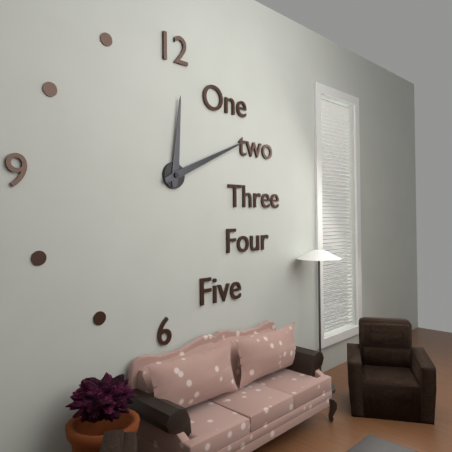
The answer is 12,11
